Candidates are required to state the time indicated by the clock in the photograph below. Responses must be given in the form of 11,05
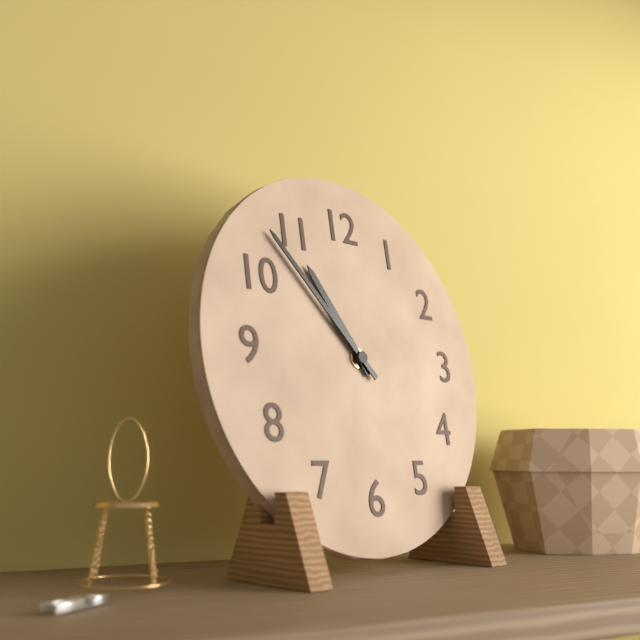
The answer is 10,53
